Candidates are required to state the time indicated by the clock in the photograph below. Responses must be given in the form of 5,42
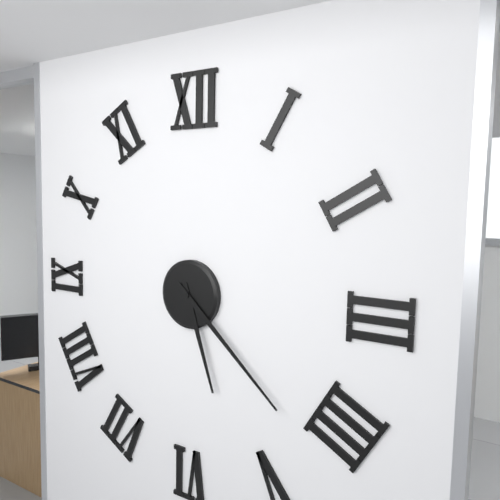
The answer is 5,22
